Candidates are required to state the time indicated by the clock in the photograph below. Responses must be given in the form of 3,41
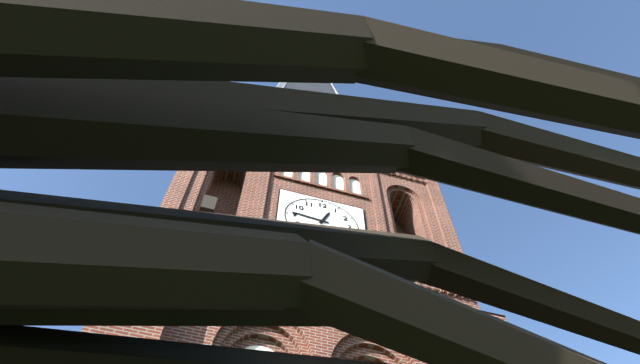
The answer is 12,46
